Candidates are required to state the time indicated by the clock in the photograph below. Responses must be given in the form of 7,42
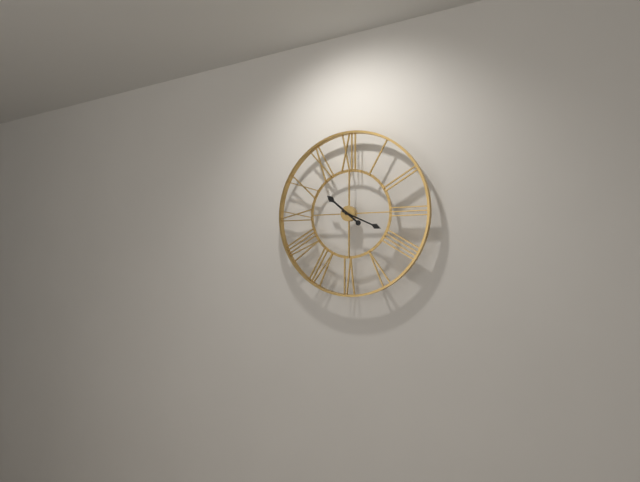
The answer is 10,19
